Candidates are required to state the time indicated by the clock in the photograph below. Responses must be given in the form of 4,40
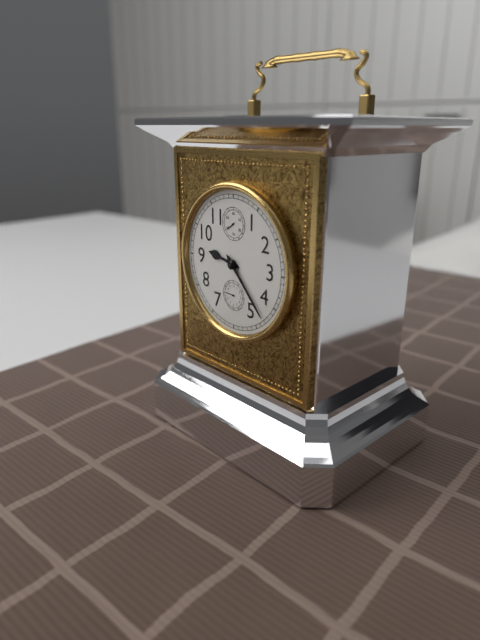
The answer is 9,23
